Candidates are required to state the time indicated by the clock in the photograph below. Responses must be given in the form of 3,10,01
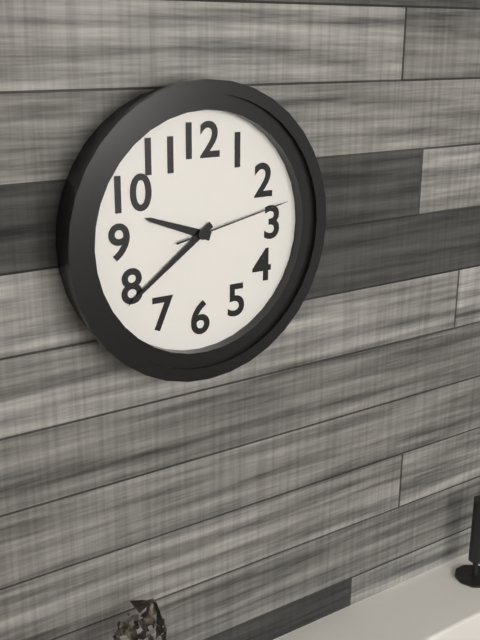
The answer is 9,39,13
